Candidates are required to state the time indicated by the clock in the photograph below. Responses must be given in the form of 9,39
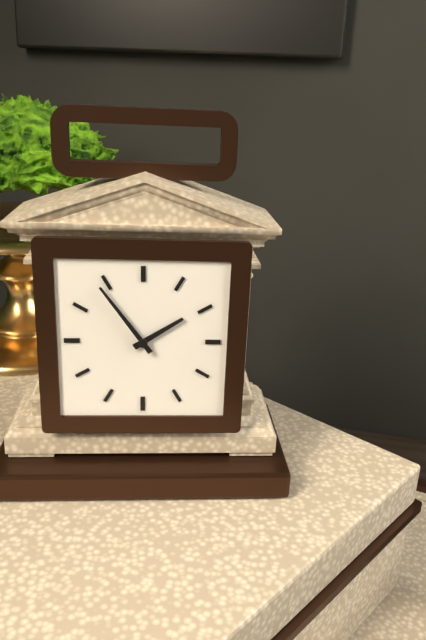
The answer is 1,54
